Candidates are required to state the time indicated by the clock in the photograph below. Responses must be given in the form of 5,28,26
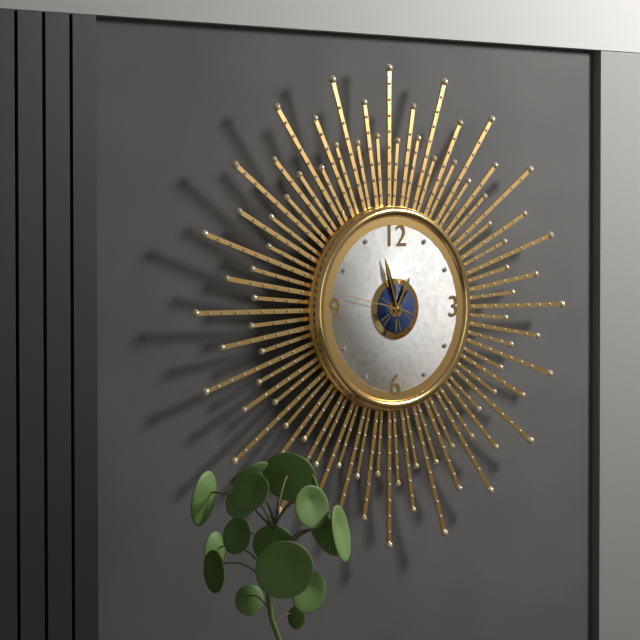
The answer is 12,57,47
